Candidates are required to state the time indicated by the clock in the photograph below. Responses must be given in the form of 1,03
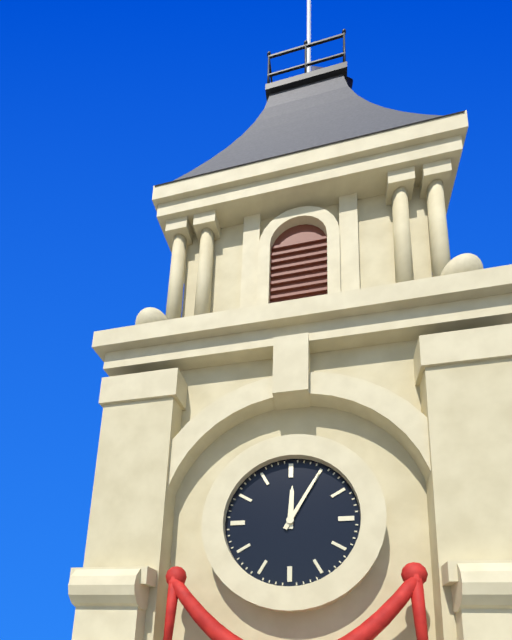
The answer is 12,05
